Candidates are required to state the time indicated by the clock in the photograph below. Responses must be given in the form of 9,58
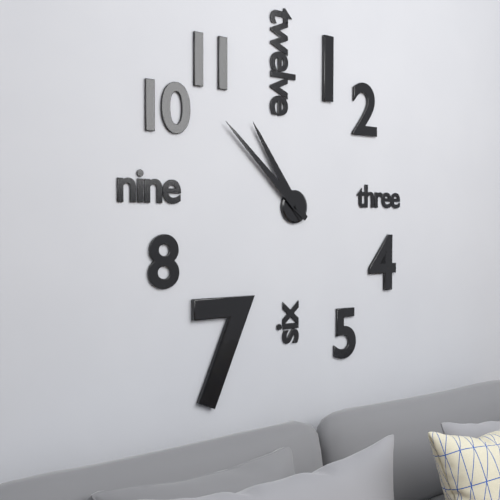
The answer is 10,52
